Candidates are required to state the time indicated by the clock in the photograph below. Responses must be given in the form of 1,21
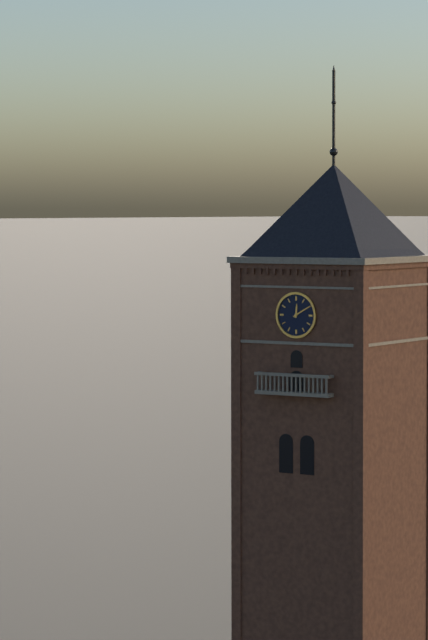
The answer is 12,10
